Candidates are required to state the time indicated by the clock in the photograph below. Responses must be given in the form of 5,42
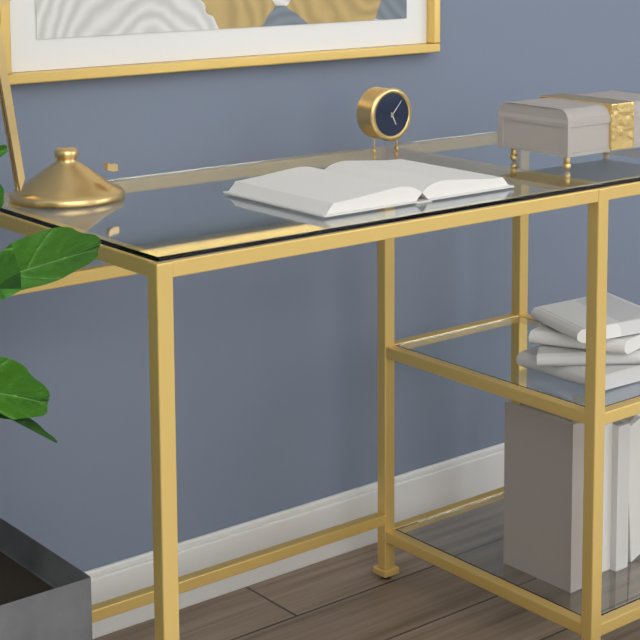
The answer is 5,07
